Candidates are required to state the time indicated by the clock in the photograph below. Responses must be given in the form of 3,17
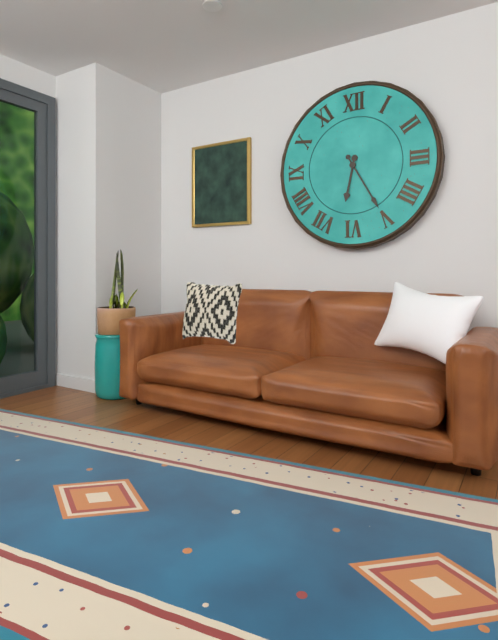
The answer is 6,25
